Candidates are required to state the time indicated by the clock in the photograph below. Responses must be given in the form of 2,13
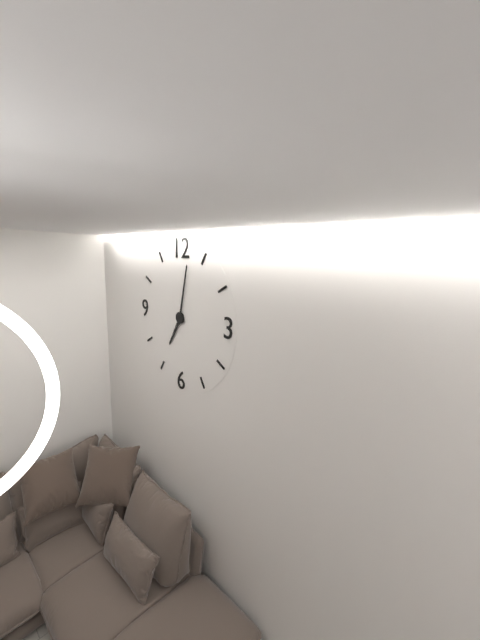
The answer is 7,02
